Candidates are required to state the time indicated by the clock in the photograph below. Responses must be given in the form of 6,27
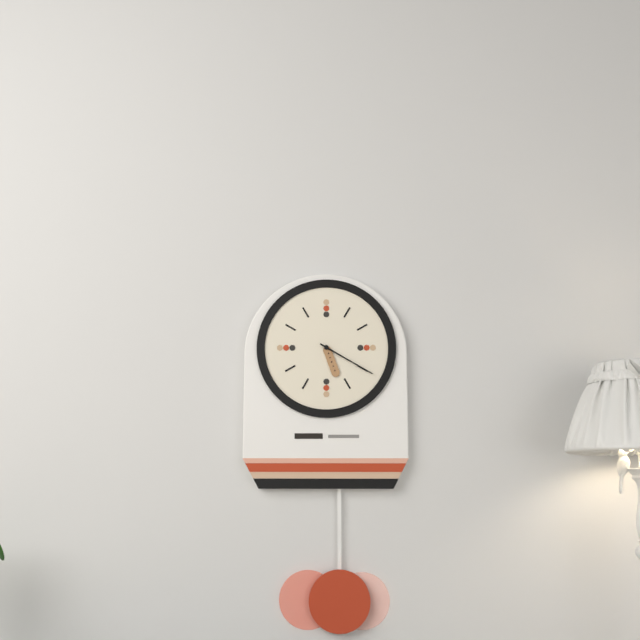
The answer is 5,20
